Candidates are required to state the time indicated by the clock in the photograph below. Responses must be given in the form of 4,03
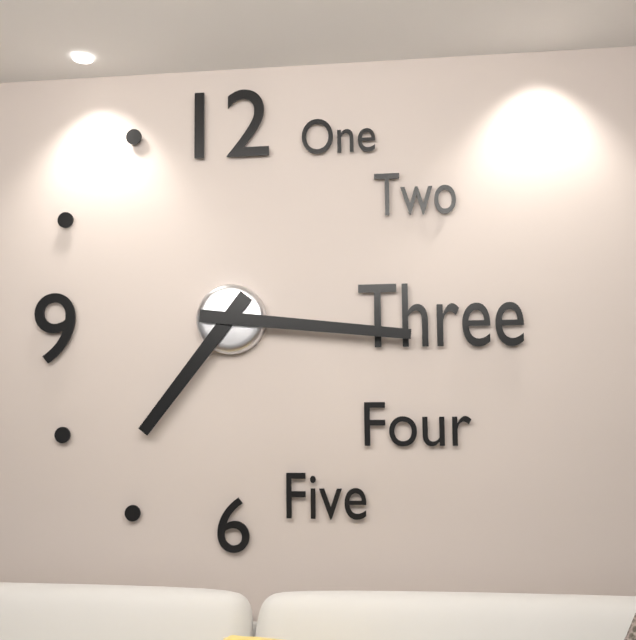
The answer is 7,16
